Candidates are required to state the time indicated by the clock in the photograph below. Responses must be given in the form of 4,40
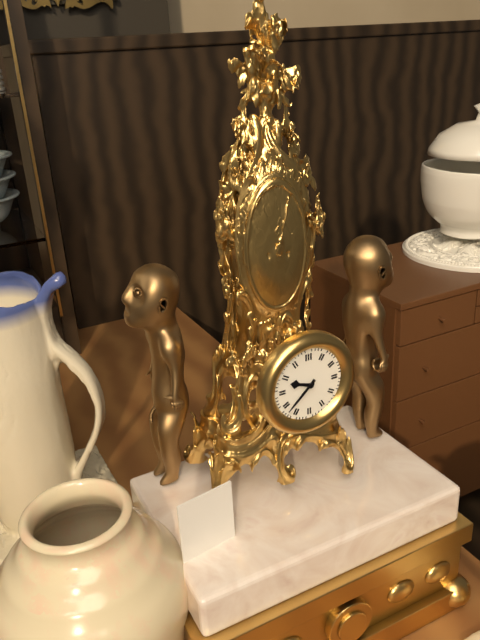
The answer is 9,38
